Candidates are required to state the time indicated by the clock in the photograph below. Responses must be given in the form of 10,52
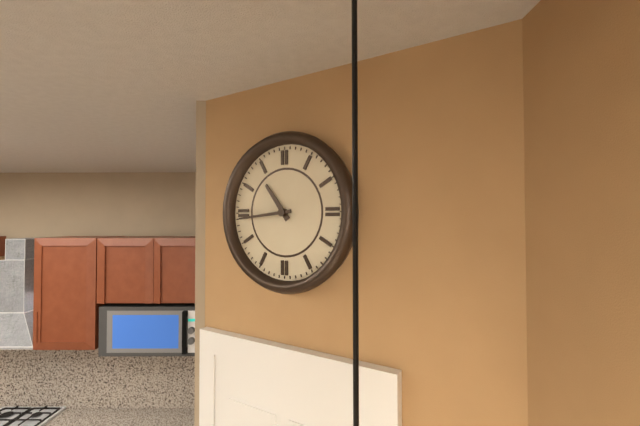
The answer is 10,44
